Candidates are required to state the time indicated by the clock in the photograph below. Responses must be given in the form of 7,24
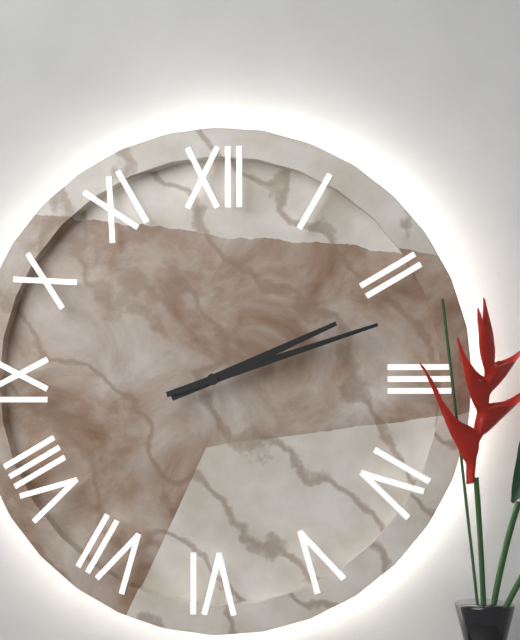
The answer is 2,12
